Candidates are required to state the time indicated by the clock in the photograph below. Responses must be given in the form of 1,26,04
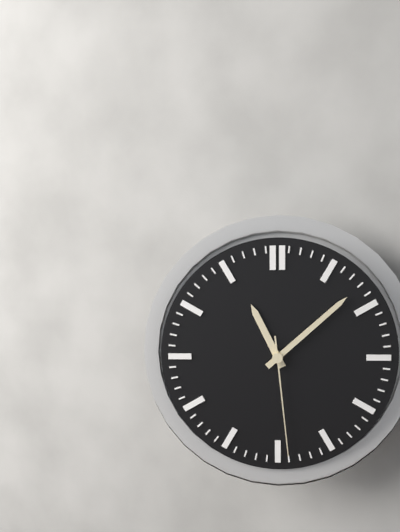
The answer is 11,08,29
